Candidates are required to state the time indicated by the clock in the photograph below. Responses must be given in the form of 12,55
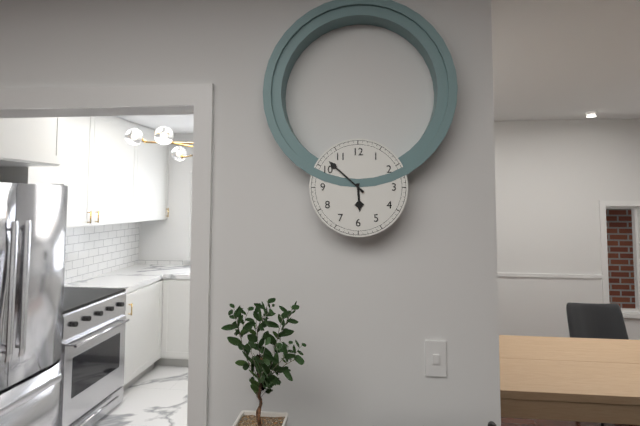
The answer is 5,52
